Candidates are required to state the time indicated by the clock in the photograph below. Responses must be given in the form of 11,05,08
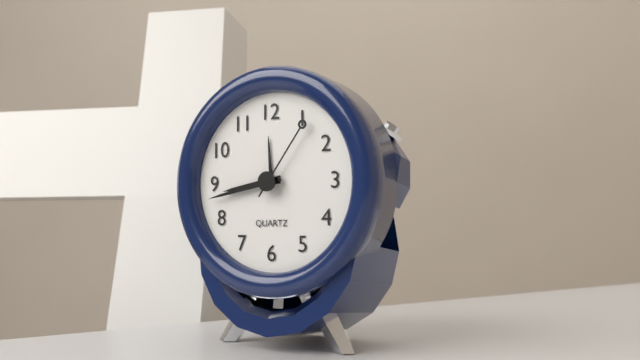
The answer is 8,43,06
